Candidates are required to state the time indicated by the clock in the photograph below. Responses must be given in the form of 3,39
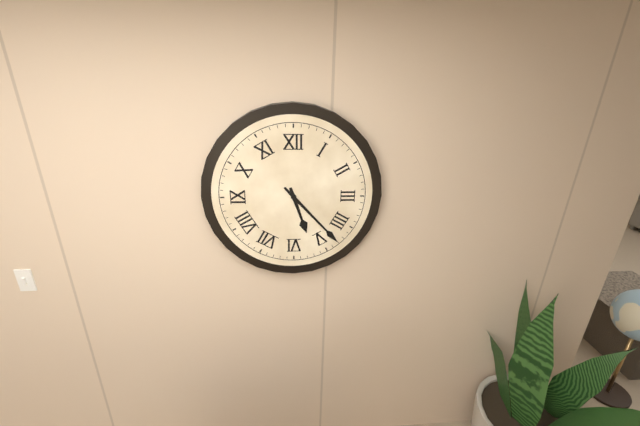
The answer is 5,23
